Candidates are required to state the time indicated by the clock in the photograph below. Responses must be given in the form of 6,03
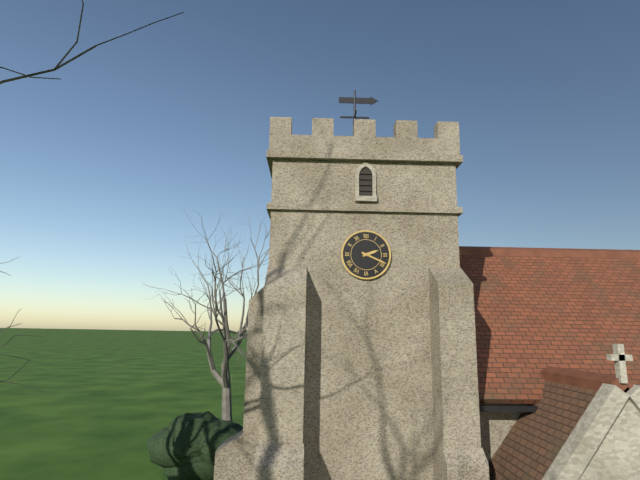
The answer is 2,19
